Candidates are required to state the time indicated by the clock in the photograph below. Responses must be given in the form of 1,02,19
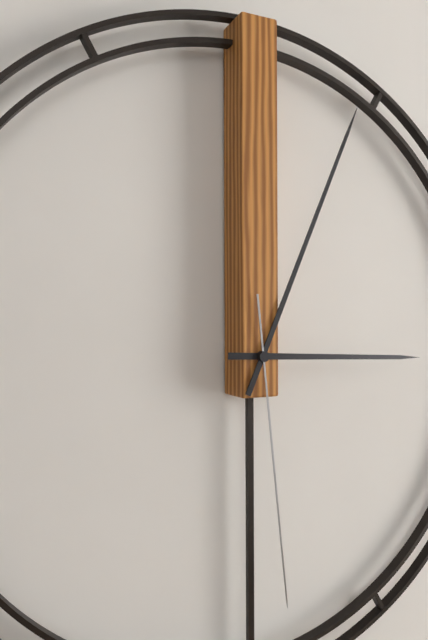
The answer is 3,04,29
